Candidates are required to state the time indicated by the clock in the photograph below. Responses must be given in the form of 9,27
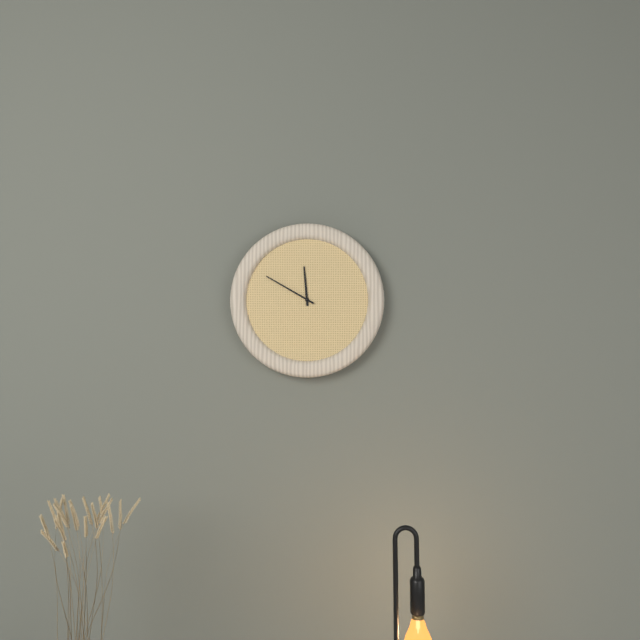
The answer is 11,50
